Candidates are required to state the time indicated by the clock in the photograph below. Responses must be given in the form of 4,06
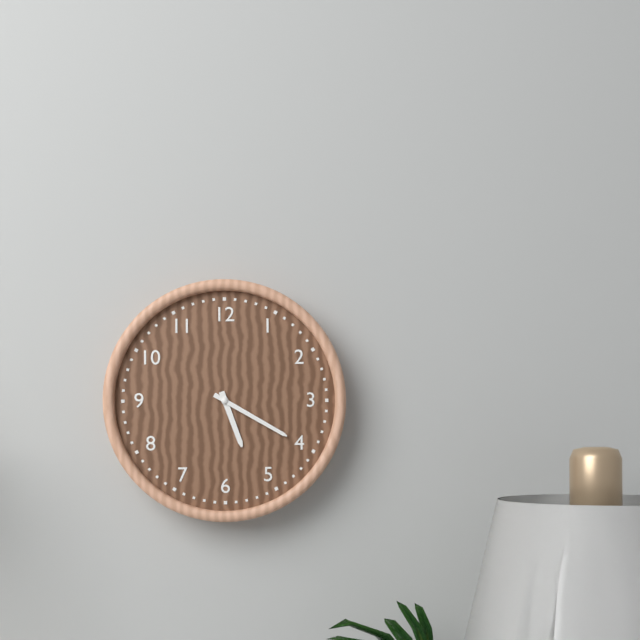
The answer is 5,20
